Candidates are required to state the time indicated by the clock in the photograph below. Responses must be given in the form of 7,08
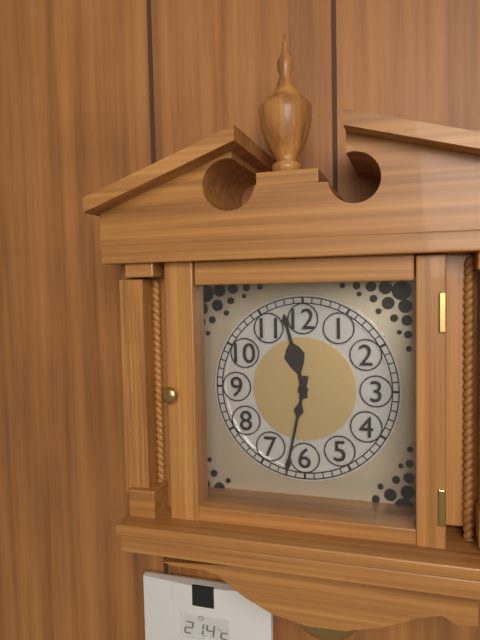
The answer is 11,32
